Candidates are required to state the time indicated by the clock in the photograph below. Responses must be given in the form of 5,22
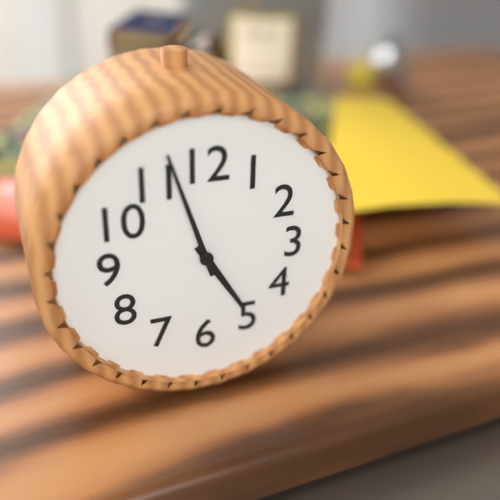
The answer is 4,57
